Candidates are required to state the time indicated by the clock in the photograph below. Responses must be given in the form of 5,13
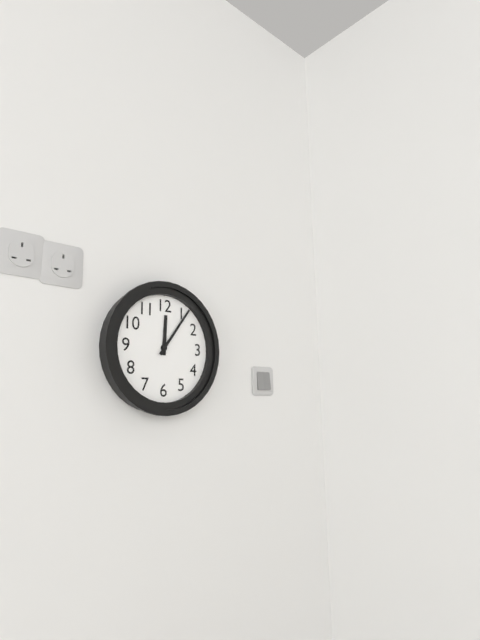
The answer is 12,06
